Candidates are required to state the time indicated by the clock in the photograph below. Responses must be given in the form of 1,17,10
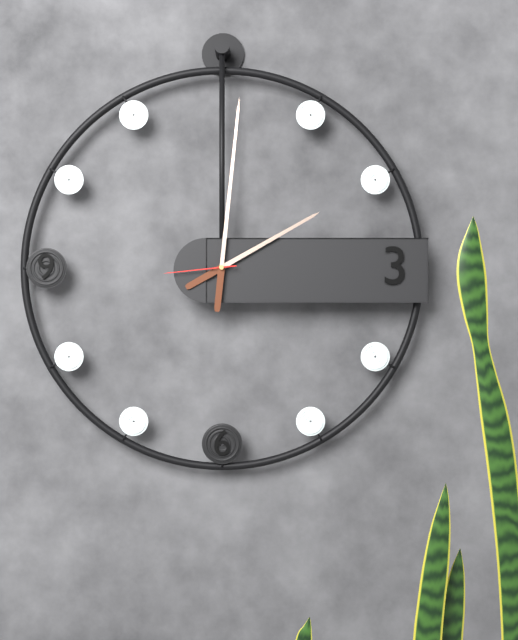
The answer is 2,01,44
